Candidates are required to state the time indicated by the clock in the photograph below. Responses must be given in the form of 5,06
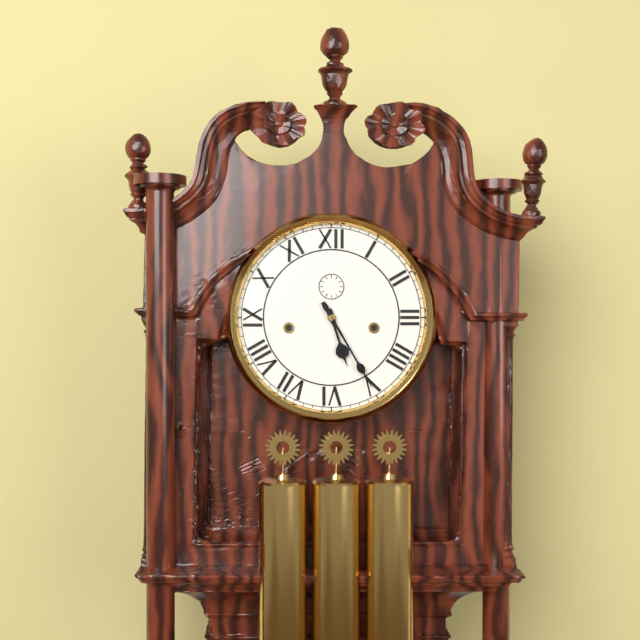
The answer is 5,25
